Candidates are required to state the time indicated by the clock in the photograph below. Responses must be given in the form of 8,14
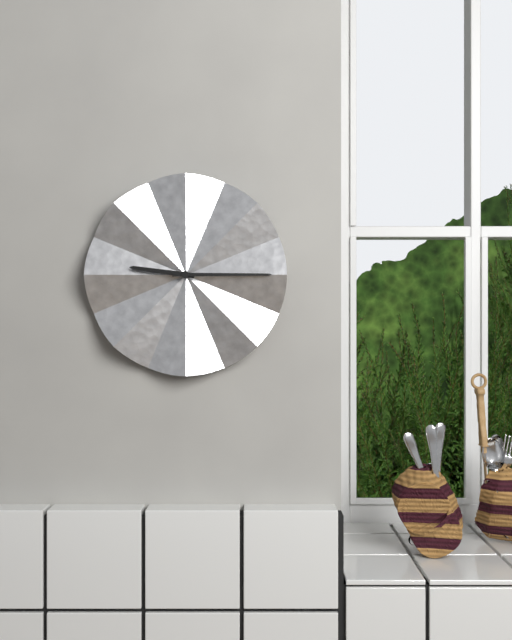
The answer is 9,15
